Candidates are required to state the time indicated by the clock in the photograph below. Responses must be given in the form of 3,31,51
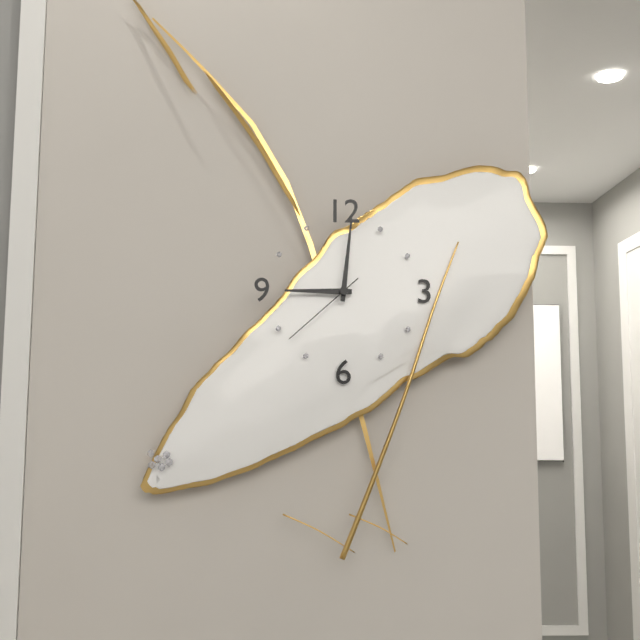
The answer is 9,01,38
